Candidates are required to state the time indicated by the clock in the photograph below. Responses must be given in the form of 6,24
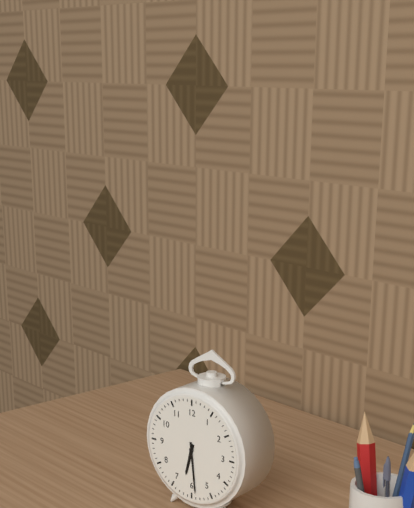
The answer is 6,29
